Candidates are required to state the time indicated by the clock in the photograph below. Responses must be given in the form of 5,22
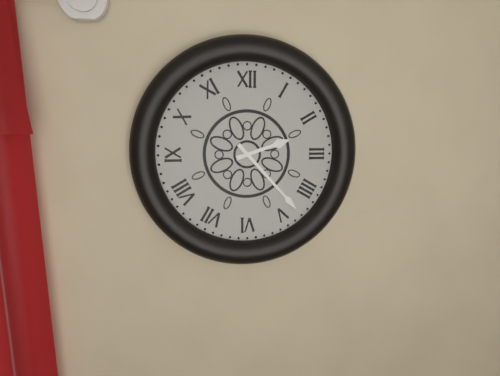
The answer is 2,23
